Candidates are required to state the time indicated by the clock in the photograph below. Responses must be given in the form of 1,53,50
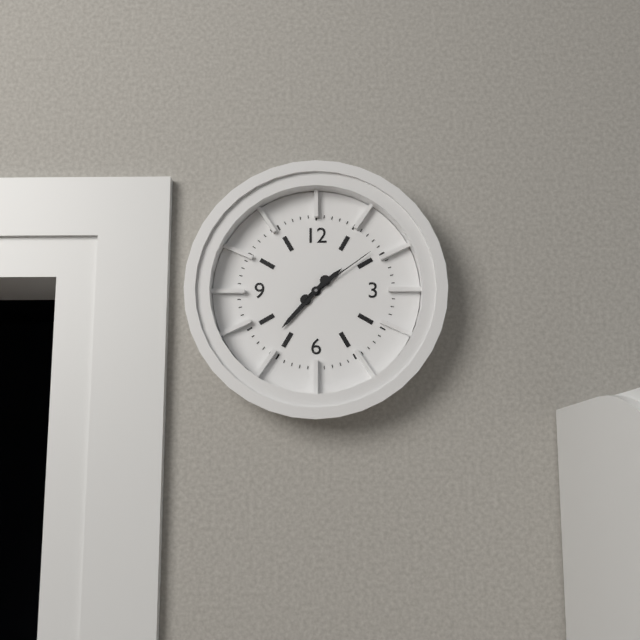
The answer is 1,37,09
